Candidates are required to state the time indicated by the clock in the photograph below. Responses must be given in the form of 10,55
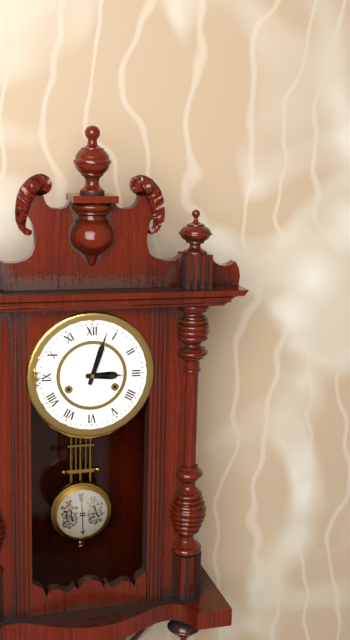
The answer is 3,03
